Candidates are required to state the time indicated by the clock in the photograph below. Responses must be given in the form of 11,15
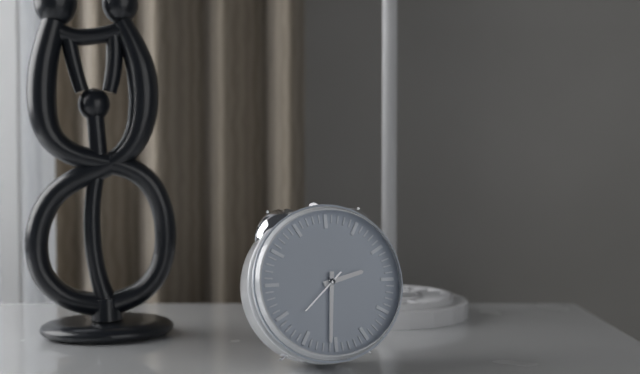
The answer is 2,31
